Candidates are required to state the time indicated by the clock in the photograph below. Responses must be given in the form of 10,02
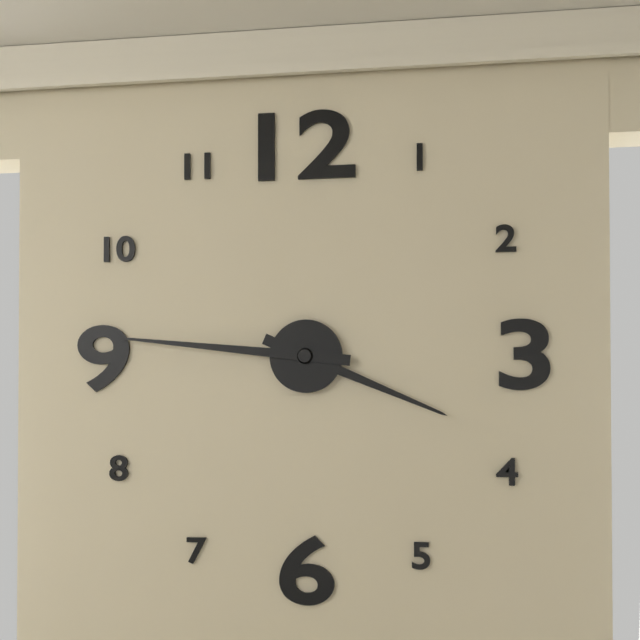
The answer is 3,46
